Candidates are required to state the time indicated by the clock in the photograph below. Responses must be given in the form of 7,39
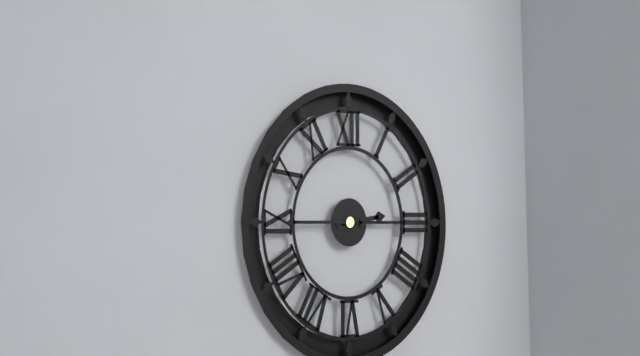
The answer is 2,45
